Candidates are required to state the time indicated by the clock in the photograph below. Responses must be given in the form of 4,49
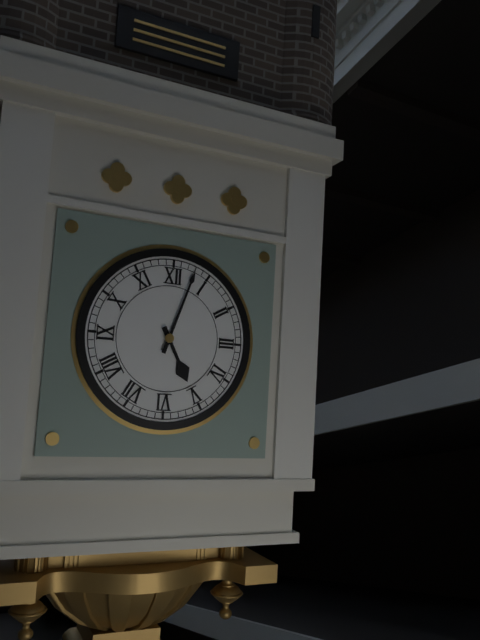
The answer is 5,03
